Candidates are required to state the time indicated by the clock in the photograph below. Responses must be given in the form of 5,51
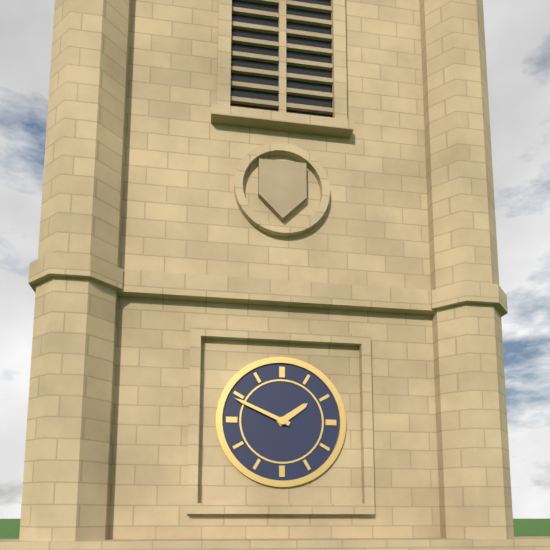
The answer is 1,49
